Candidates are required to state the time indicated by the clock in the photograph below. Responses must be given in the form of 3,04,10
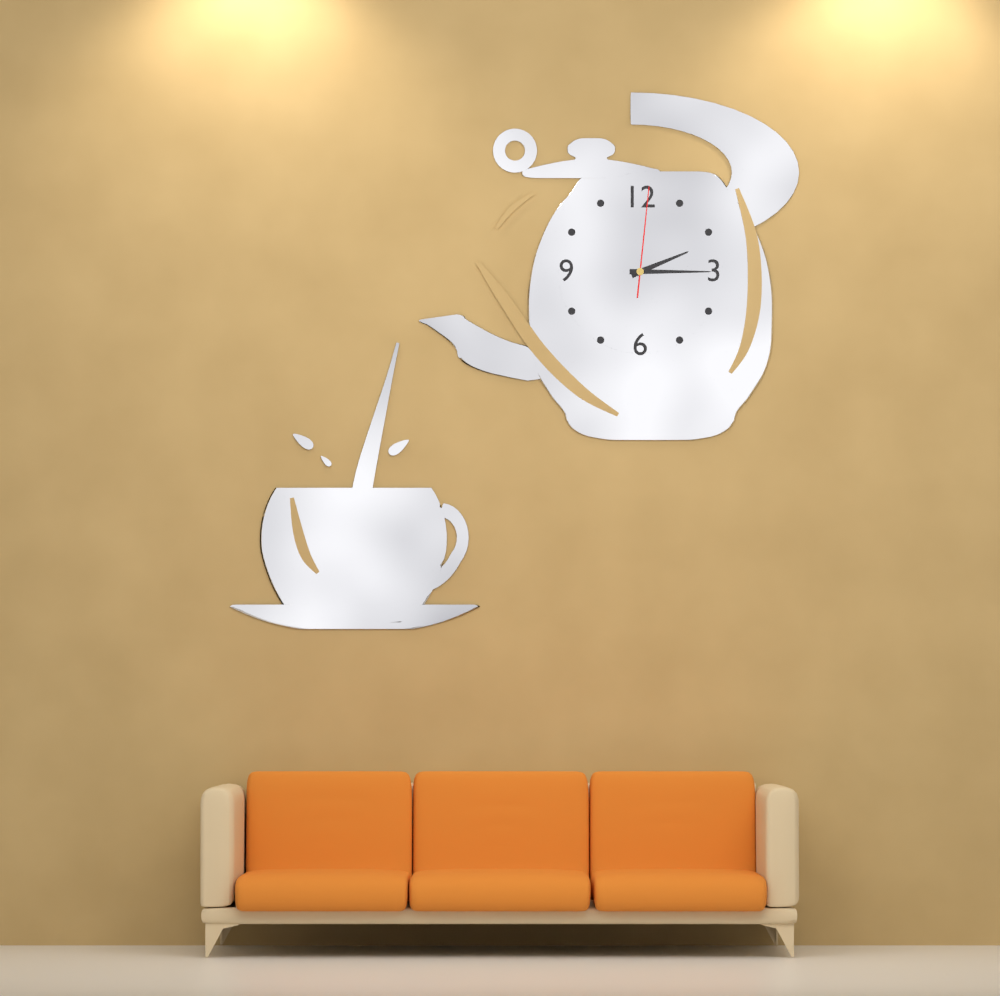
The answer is 2,15,01
